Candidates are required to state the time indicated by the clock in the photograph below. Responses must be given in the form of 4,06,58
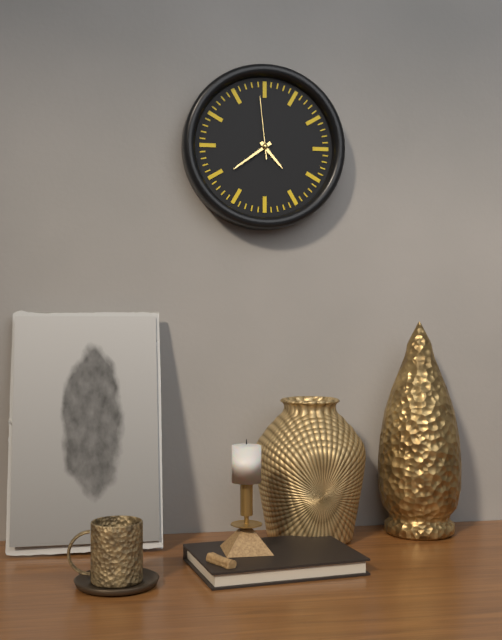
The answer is 4,39,59
